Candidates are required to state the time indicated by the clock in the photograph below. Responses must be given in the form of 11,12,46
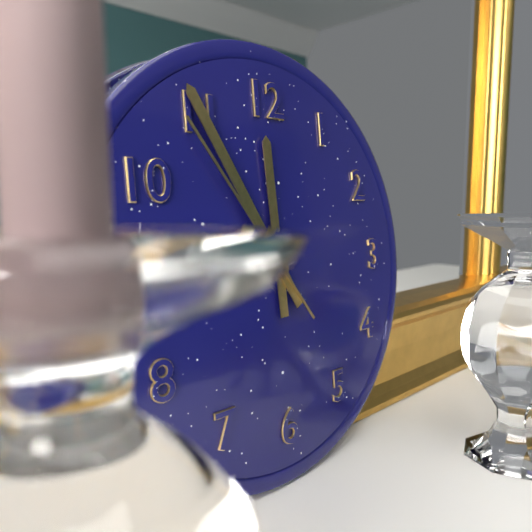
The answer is 11,55,54
